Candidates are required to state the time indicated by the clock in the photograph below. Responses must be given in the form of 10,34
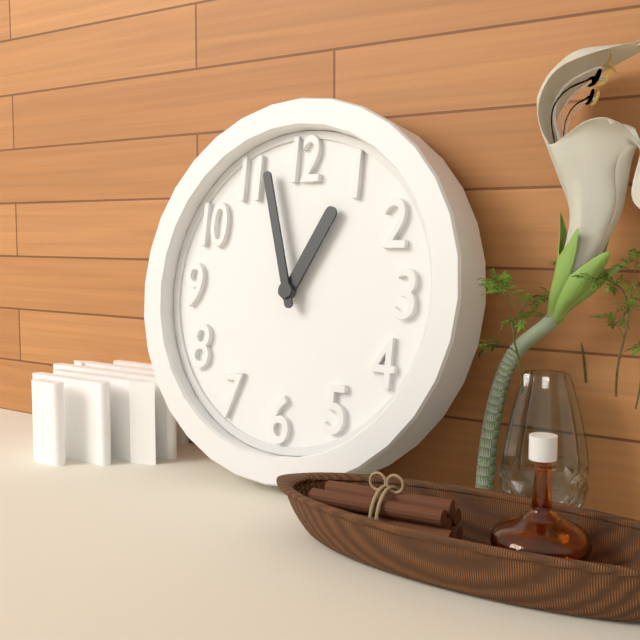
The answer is 12,57
